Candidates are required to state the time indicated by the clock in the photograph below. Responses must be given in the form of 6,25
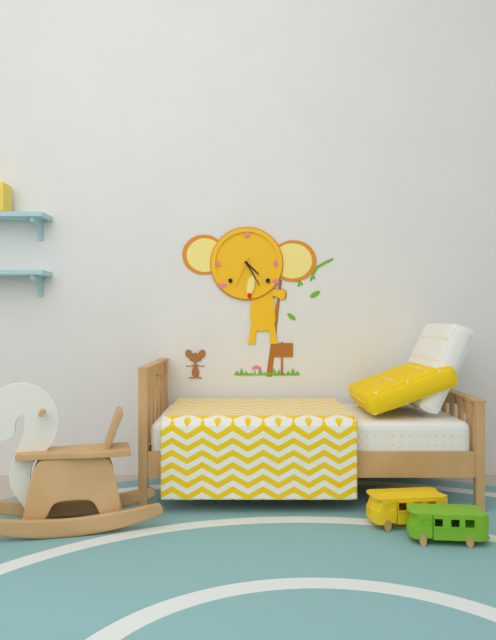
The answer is 4,25
